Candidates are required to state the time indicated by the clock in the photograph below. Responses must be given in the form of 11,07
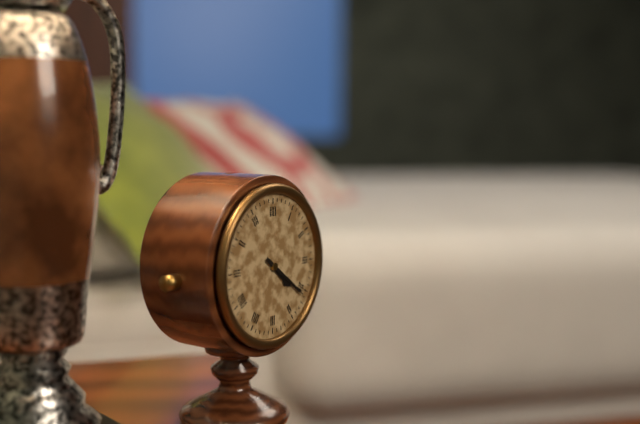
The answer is 4,21
